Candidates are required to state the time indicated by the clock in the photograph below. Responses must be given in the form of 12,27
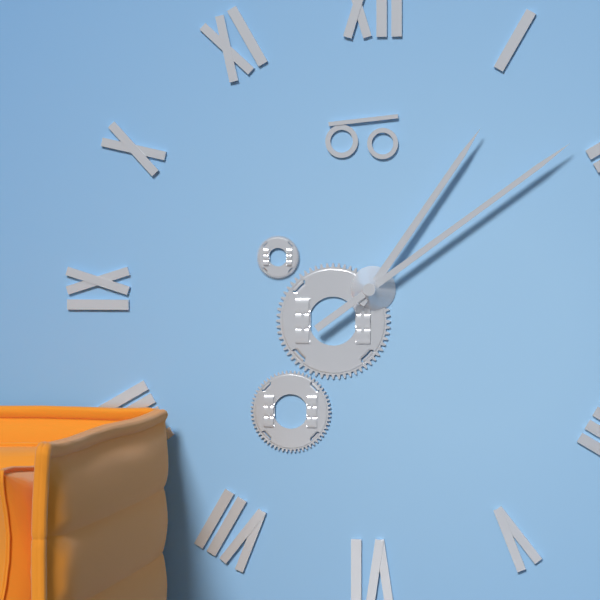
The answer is 1,09
